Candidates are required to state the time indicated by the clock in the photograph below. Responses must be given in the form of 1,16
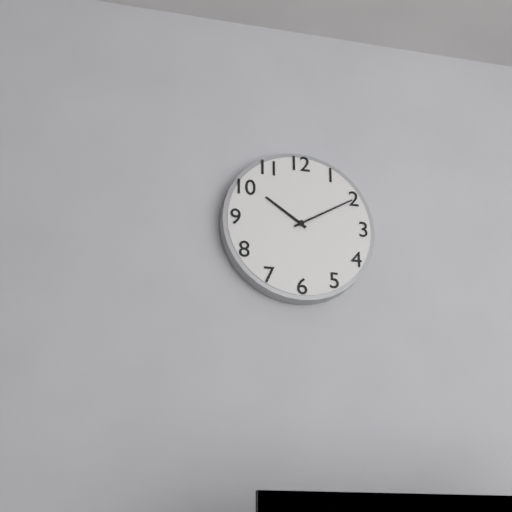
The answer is 10,10
